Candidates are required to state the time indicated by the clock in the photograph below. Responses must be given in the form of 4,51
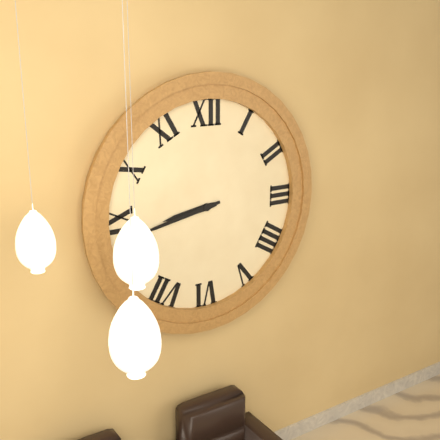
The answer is 8,43
